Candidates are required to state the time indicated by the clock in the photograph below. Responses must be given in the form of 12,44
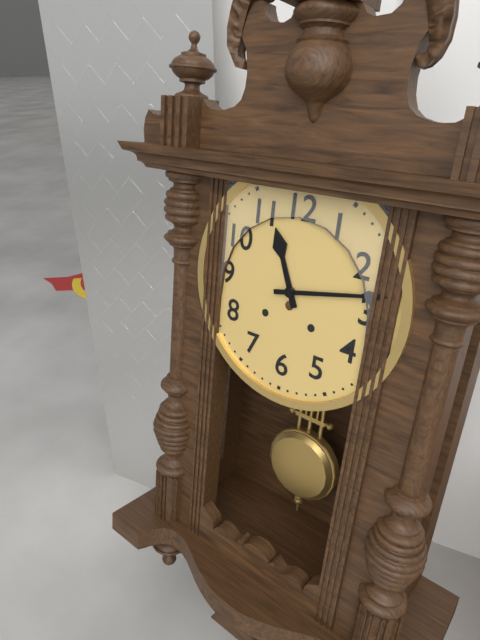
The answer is 11,13
